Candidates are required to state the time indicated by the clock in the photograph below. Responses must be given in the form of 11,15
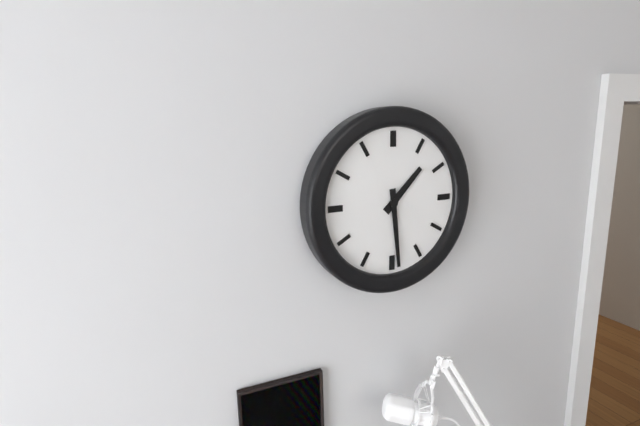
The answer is 1,29
